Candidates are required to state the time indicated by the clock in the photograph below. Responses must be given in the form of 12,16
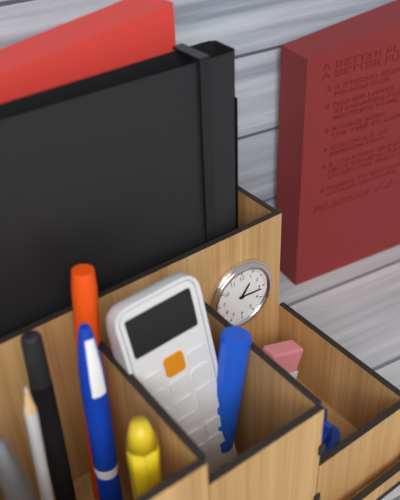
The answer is 1,16
